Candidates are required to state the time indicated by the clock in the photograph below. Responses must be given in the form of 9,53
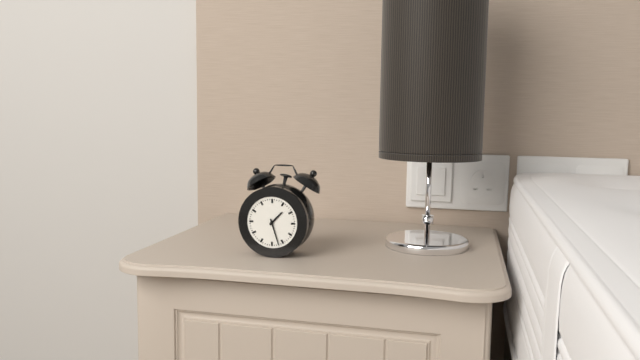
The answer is 1,27
